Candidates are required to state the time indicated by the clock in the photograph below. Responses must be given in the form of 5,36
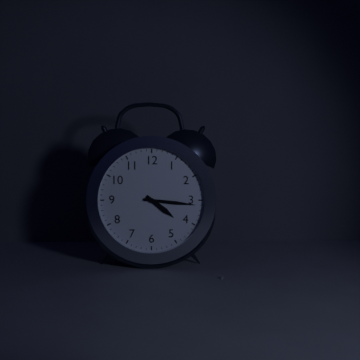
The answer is 4,16
